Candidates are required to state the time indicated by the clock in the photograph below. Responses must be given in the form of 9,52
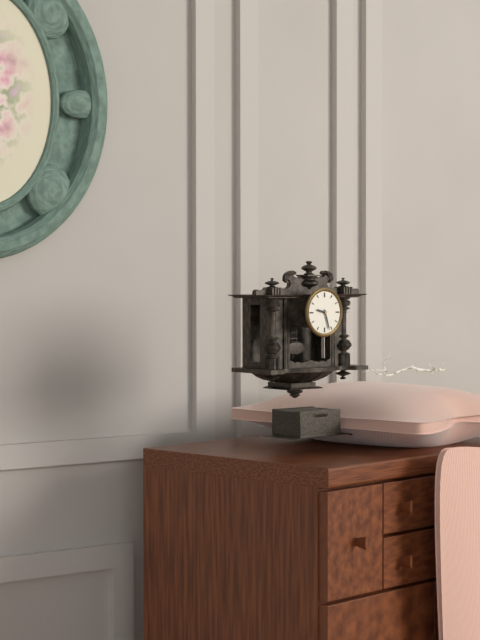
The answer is 9,27
